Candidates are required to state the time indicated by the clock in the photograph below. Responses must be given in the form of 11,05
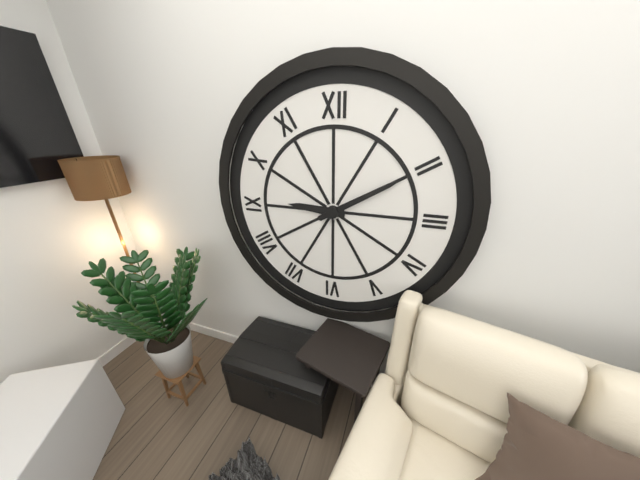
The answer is 9,10
